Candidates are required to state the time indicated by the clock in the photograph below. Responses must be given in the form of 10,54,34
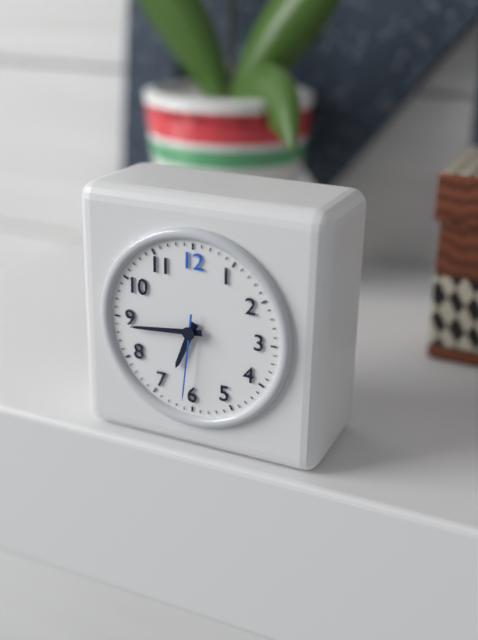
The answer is 6,44,31
